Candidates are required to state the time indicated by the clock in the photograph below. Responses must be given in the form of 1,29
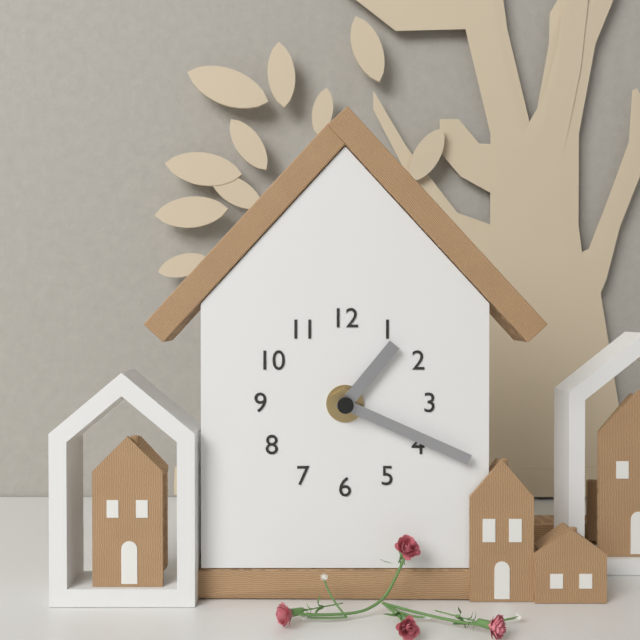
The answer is 1,19
